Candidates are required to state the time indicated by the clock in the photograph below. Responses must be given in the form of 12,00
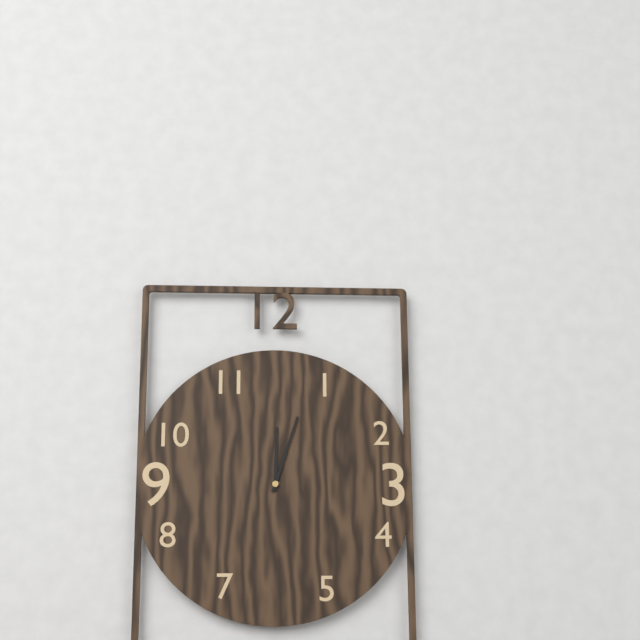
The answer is 12,03
